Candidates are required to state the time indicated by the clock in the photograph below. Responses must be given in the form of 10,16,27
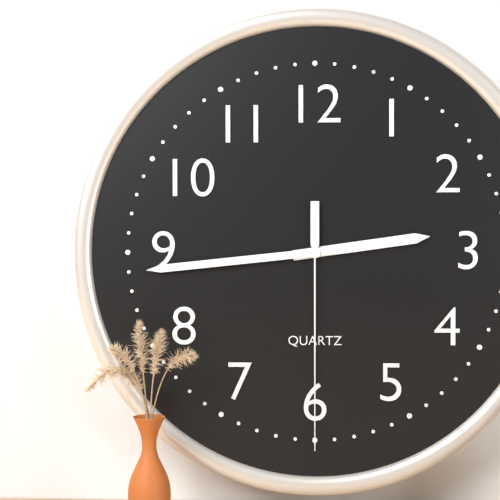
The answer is 2,44,30
